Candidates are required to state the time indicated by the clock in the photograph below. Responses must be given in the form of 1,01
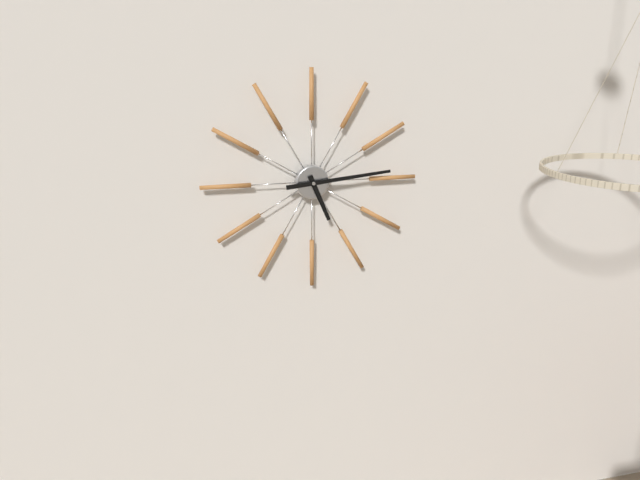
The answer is 5,14
